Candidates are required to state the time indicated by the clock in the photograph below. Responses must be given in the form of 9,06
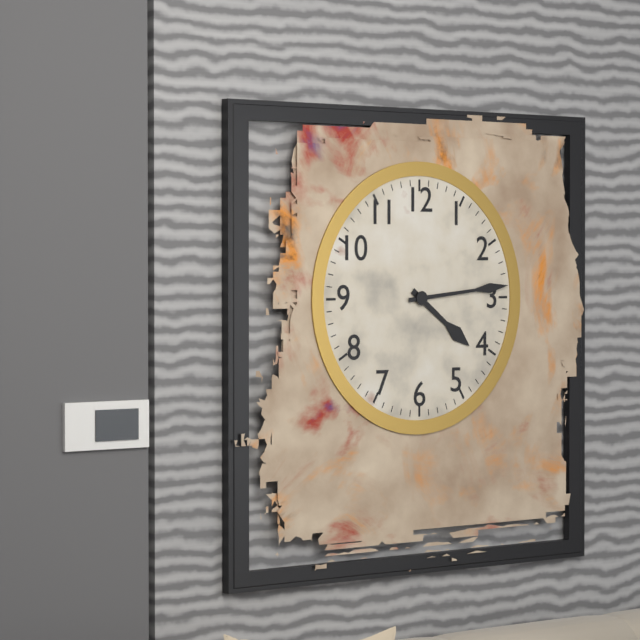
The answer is 4,14
